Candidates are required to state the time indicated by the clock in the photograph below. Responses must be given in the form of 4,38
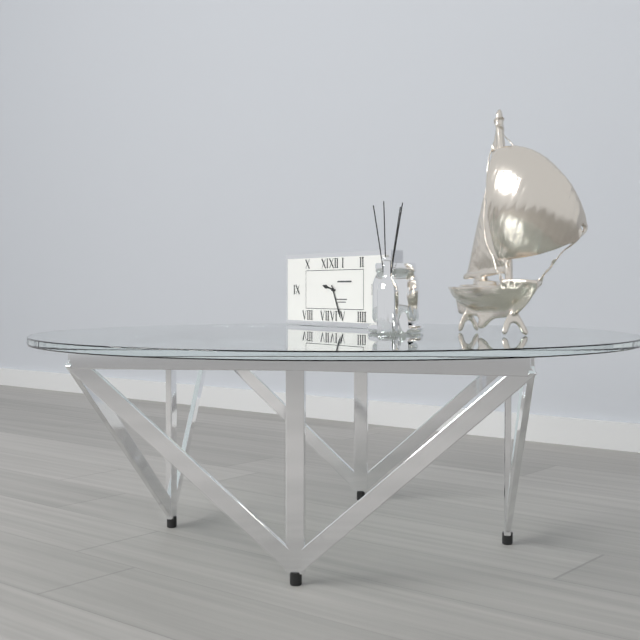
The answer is 9,26
